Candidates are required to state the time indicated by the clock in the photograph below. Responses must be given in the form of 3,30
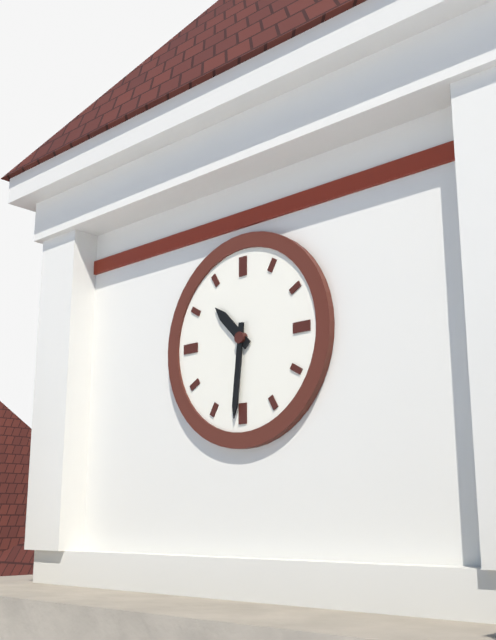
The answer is 10,31
